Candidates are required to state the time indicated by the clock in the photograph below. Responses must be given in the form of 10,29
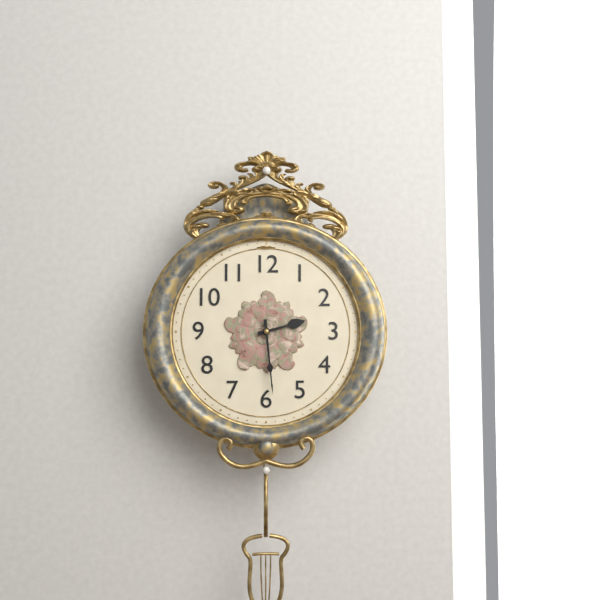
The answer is 2,29
